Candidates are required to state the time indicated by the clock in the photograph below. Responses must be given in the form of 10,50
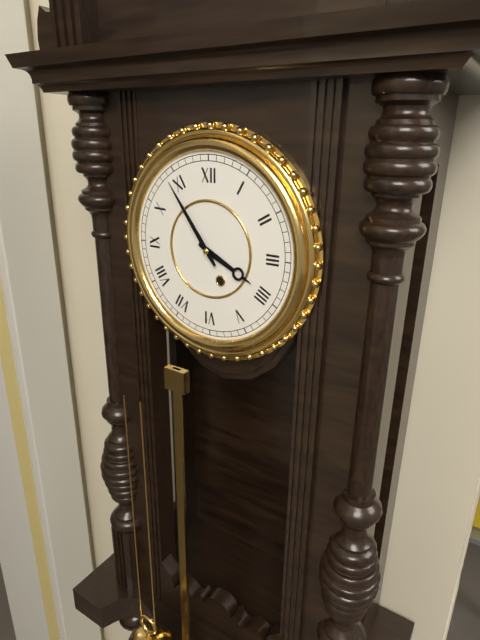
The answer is 3,54
